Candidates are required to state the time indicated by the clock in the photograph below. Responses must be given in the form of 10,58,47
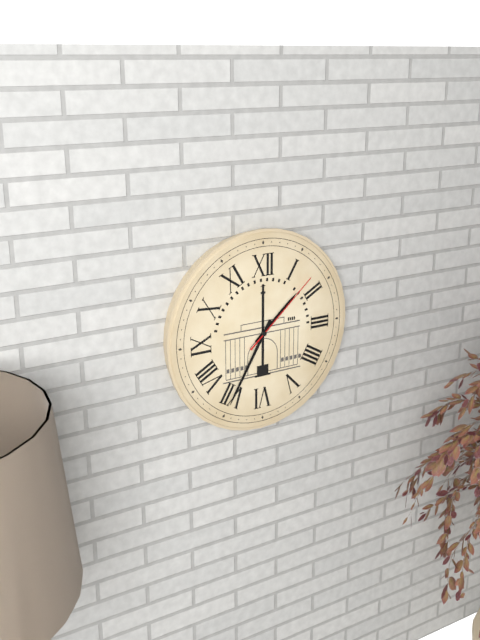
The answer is 1,35,08
